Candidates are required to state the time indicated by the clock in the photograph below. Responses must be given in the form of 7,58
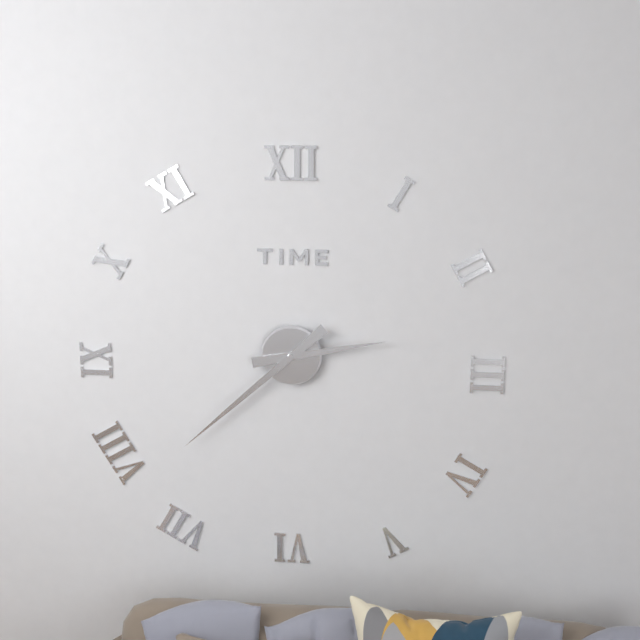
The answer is 2,38
